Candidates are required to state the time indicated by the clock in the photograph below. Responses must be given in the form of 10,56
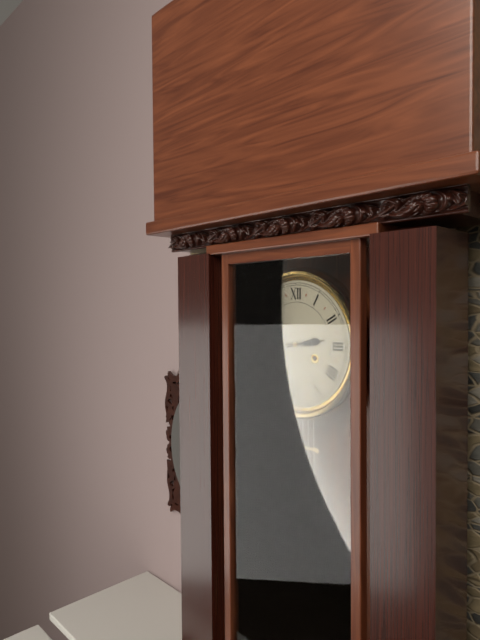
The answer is 2,44
